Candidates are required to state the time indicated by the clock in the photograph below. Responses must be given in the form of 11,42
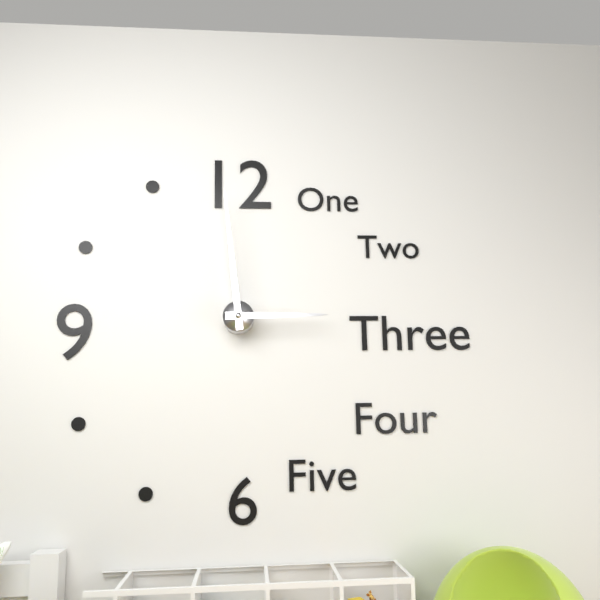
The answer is 2,59
